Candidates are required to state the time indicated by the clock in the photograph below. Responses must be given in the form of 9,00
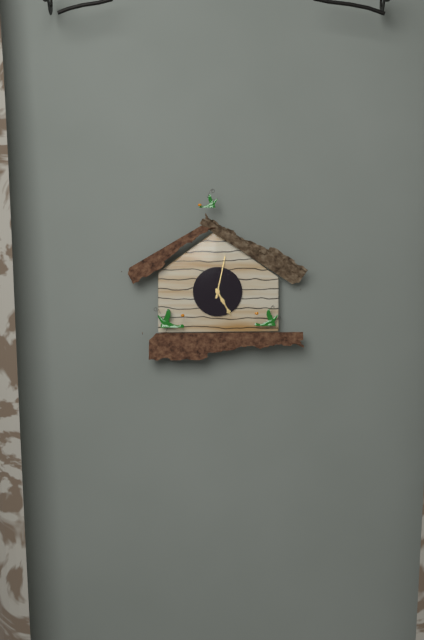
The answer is 5,02
